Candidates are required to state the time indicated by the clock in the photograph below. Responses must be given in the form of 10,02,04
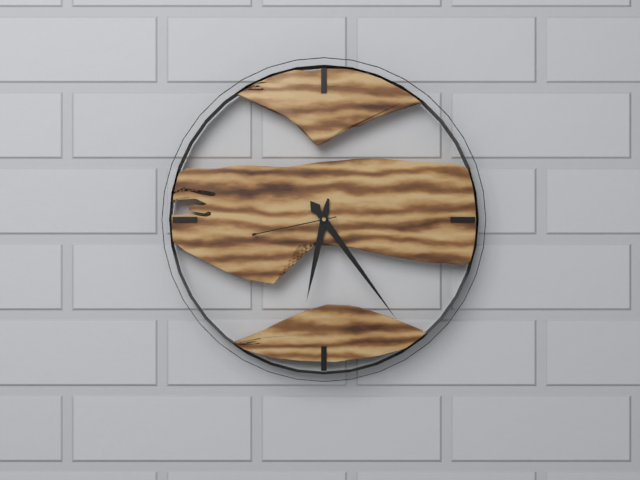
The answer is 6,24,43
